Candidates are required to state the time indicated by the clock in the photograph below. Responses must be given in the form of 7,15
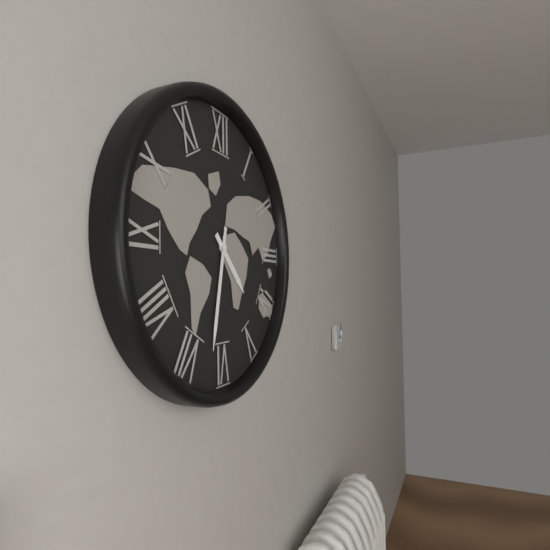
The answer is 4,32
